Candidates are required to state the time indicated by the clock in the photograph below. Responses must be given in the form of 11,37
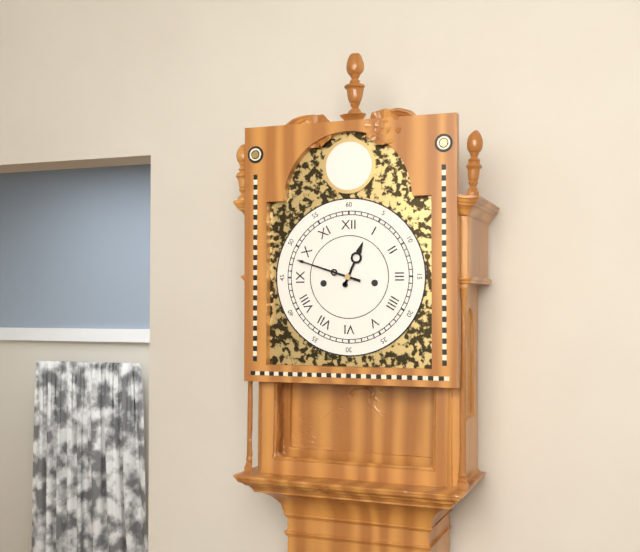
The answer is 12,48
